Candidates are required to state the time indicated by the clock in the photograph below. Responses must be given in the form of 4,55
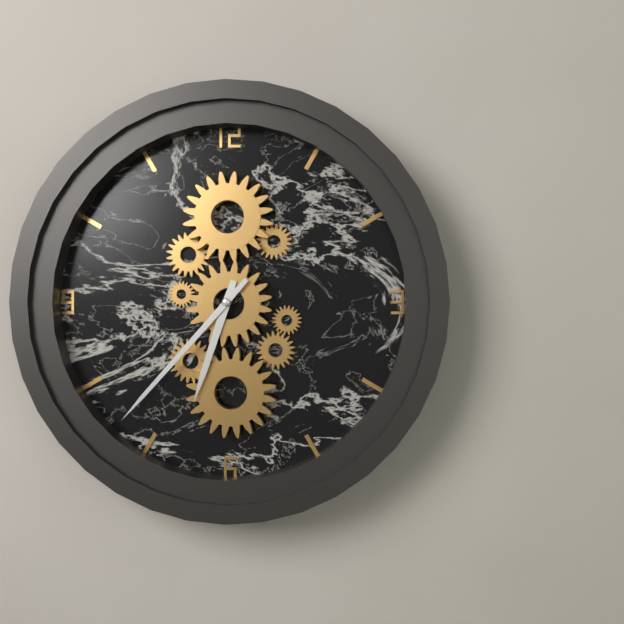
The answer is 6,37
